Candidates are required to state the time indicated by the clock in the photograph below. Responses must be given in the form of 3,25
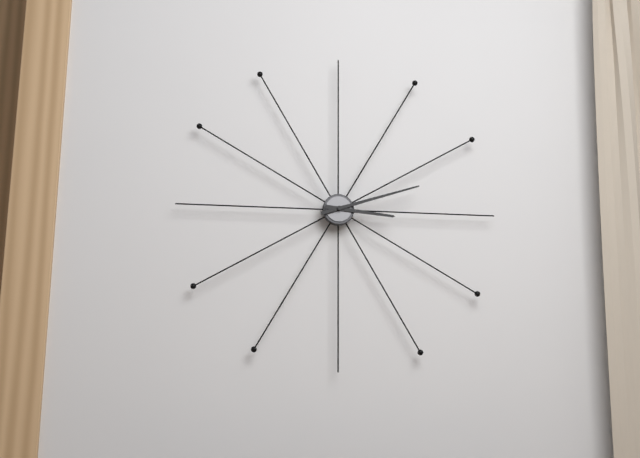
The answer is 3,12
